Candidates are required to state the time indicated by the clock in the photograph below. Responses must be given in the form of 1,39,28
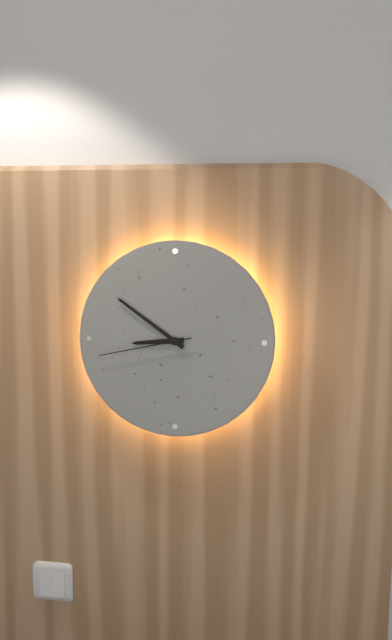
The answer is 8,51,43
